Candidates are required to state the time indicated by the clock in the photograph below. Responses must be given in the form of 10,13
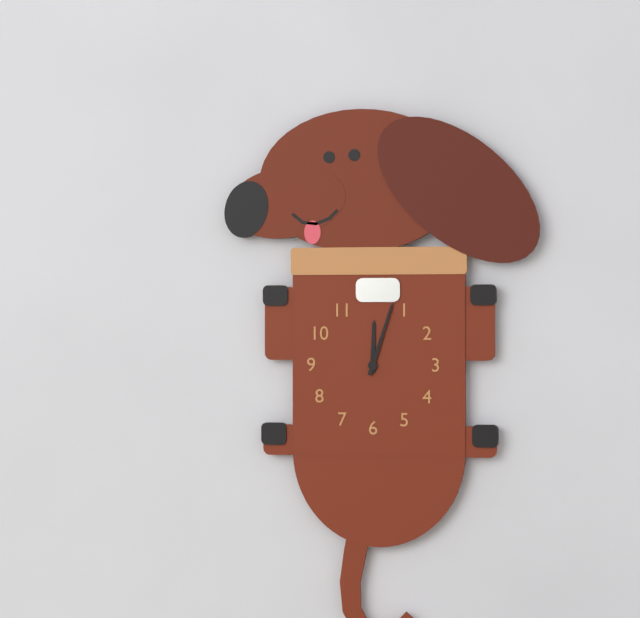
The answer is 12,03
